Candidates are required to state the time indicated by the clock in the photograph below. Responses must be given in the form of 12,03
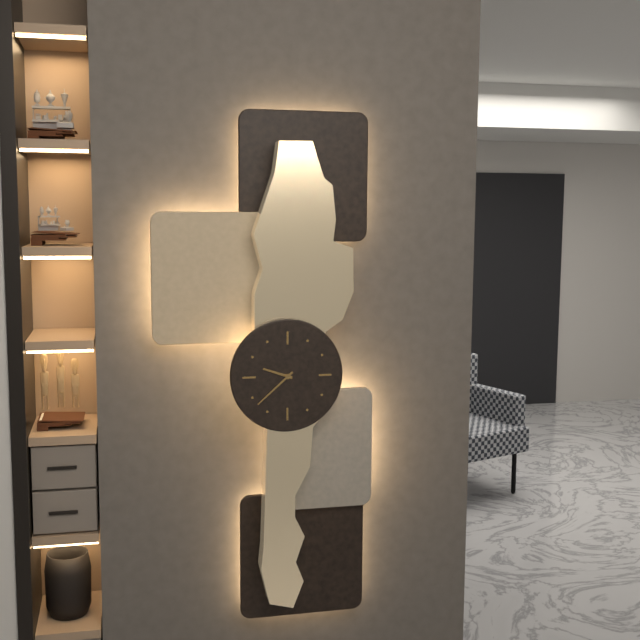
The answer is 9,38
